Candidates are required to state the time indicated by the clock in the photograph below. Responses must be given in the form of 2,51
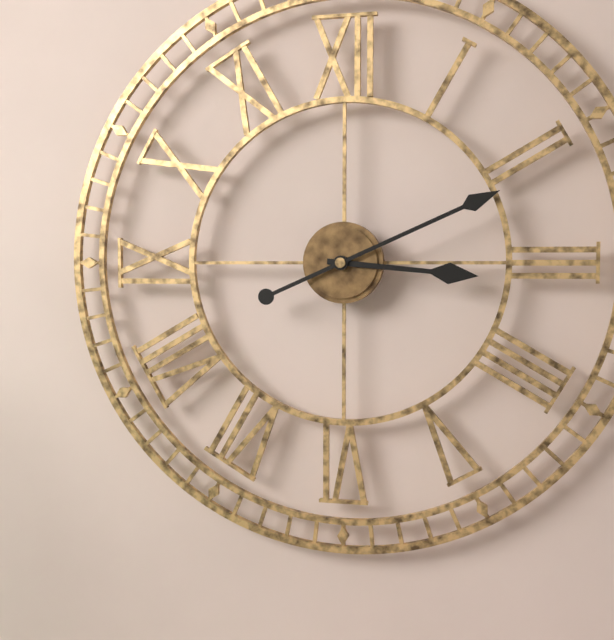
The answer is 3,11
